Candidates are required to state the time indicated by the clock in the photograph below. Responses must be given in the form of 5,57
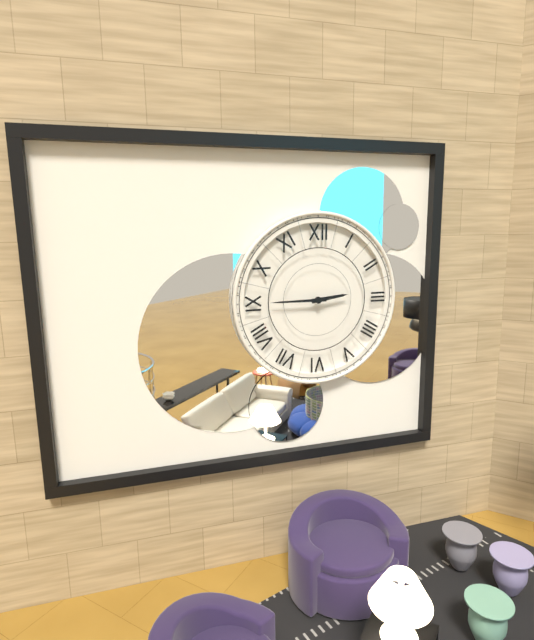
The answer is 2,45
